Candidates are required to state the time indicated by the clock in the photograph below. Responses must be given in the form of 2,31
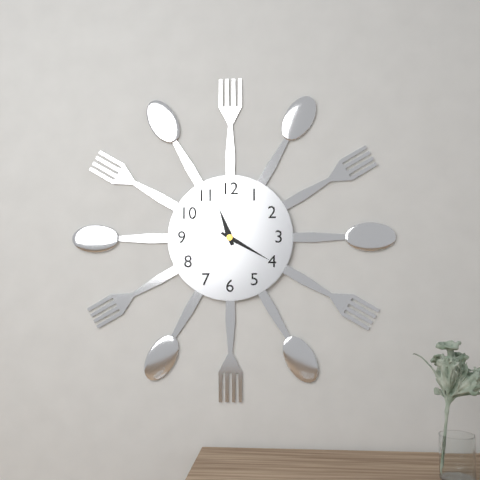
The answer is 11,20
